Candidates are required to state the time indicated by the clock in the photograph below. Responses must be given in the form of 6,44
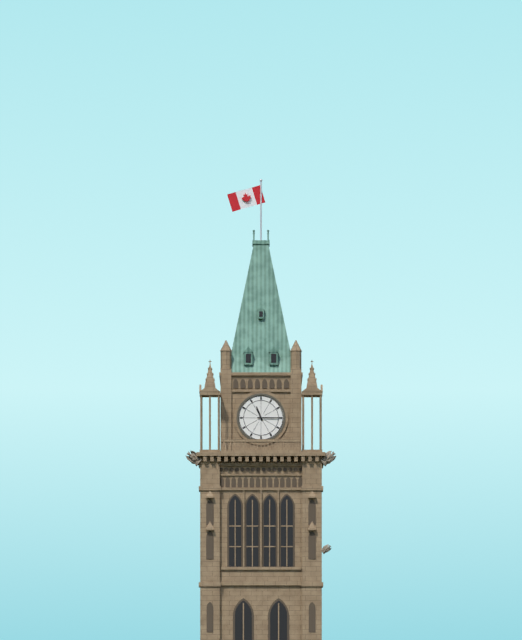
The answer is 11,15
